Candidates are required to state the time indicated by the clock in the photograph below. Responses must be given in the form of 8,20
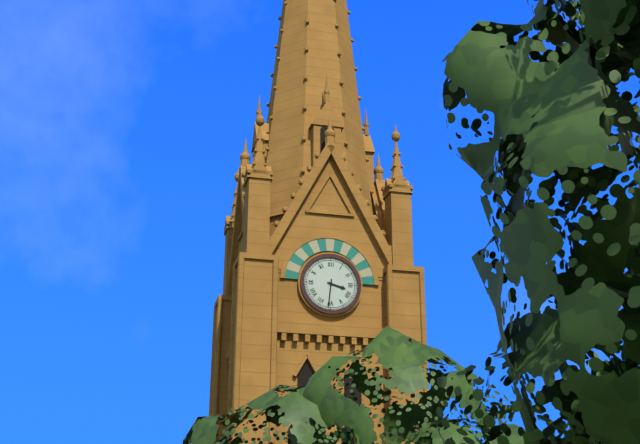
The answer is 3,31
